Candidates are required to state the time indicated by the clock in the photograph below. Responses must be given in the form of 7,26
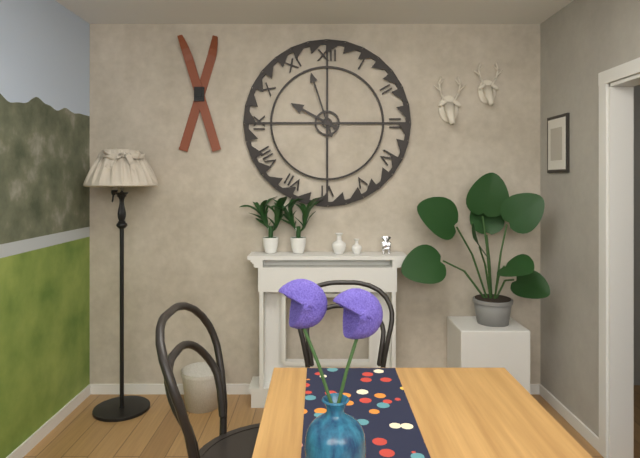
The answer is 9,57
